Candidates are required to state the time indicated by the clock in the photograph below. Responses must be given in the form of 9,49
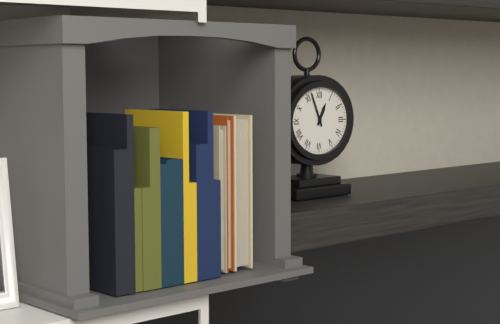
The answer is 12,56
